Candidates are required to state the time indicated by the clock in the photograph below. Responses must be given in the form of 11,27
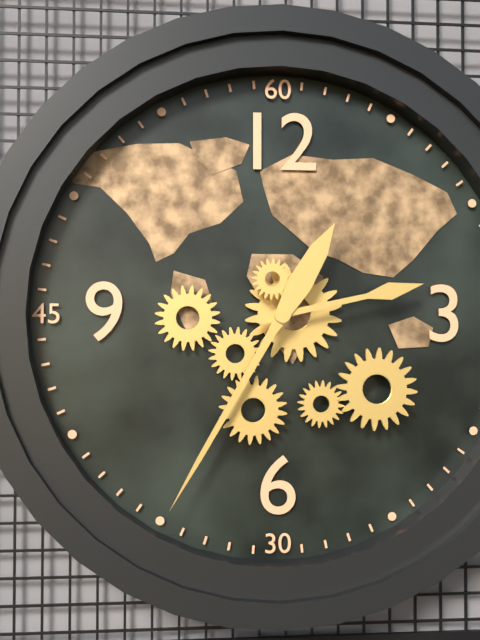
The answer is 2,35
